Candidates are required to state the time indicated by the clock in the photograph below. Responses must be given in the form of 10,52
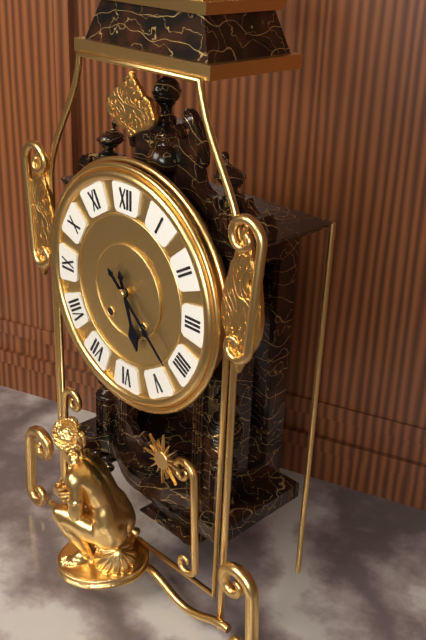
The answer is 5,22
